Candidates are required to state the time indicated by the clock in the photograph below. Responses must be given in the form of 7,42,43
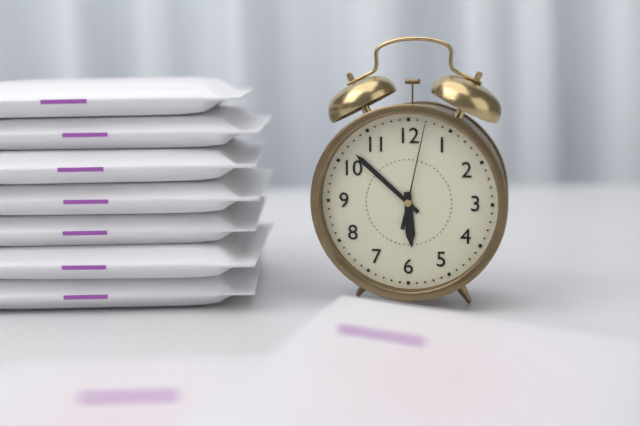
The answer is 5,52,02
